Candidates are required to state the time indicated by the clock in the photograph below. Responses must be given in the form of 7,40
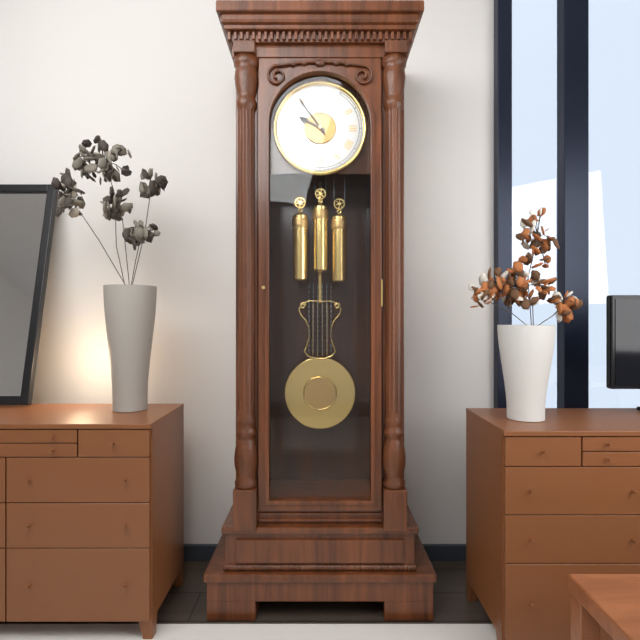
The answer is 9,54
